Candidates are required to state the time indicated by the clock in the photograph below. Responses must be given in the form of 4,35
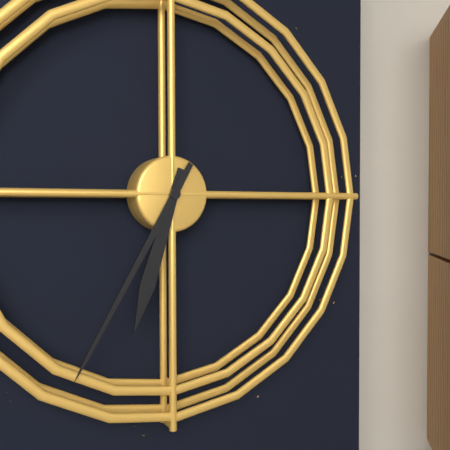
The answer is 6,35
